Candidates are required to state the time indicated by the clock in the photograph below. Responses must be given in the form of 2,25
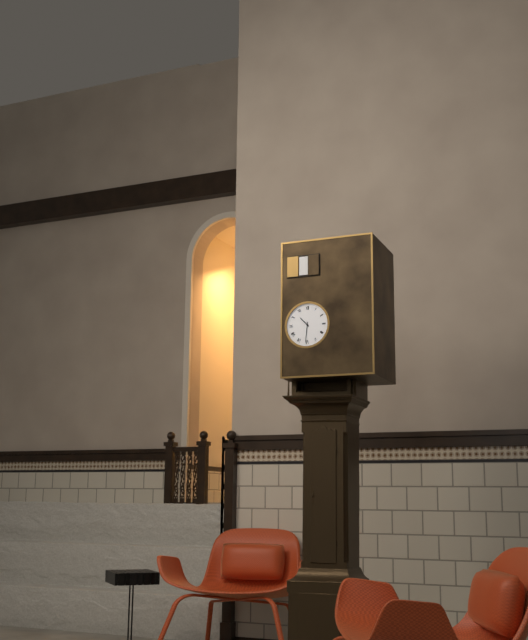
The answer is 10,31
